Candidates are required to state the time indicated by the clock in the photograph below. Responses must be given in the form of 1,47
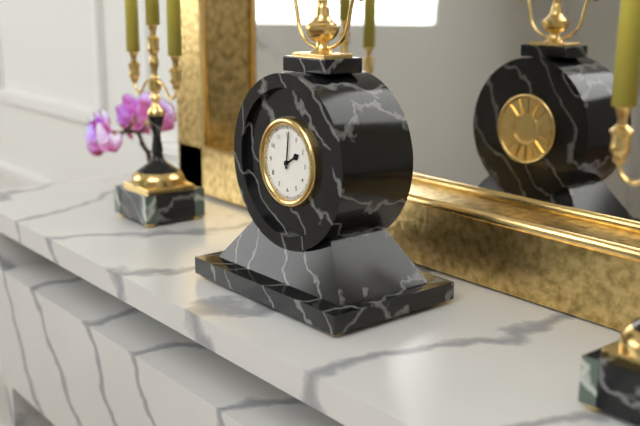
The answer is 2,01
